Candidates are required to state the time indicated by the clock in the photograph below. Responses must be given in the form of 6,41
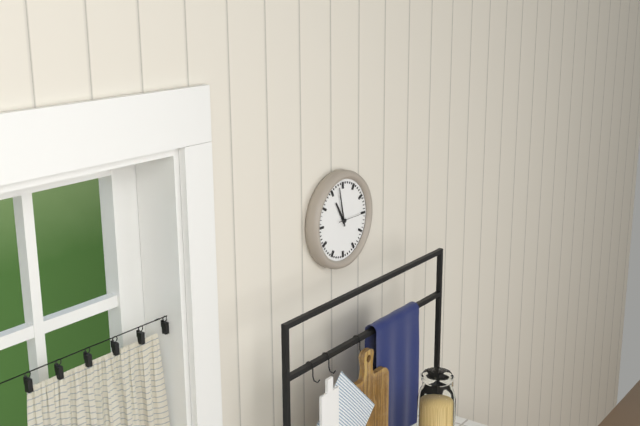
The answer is 10,58
